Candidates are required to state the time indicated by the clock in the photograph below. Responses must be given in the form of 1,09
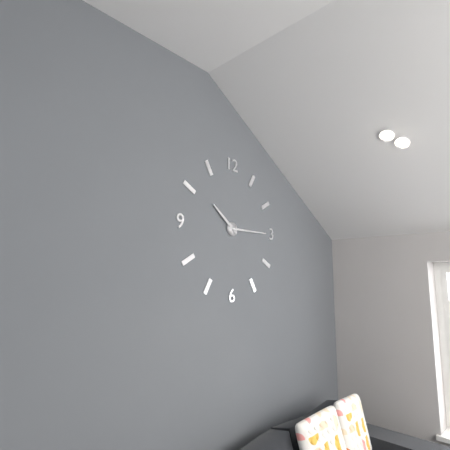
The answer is 10,15
